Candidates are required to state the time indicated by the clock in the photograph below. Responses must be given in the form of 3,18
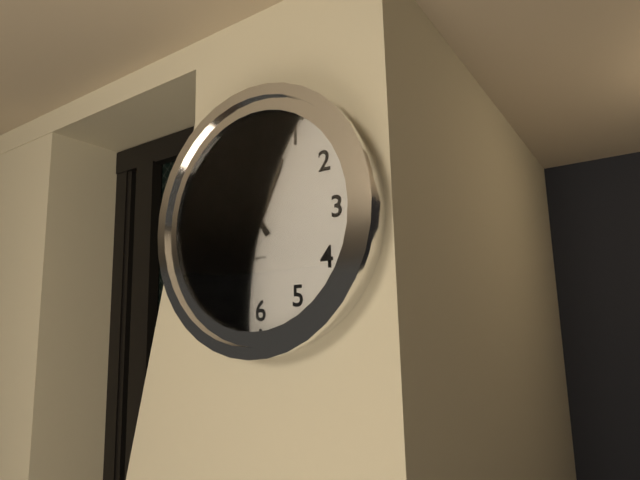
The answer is 12,54
